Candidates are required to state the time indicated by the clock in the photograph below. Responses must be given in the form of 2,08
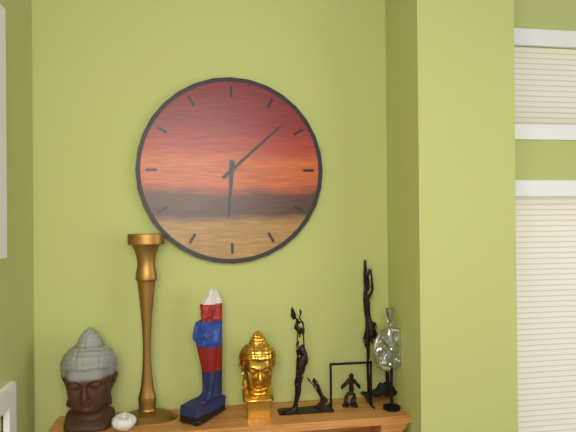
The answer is 6,08
